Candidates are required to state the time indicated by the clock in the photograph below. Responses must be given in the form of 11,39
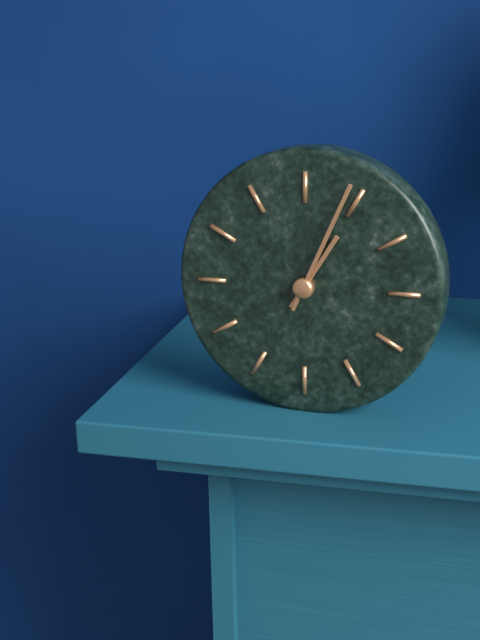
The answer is 1,04
